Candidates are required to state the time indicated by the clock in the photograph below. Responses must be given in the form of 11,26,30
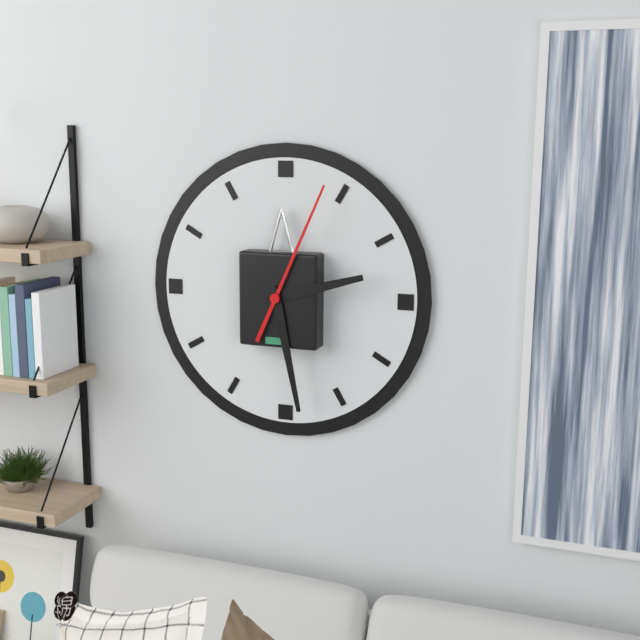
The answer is 2,28,04
